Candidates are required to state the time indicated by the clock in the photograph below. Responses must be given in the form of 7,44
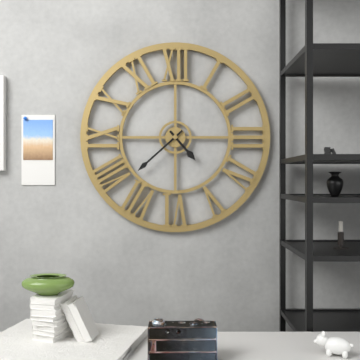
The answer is 4,38
